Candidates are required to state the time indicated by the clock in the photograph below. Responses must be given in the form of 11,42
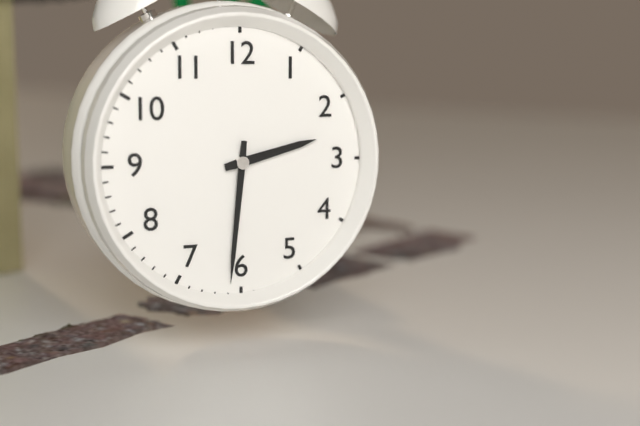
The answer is 2,31
